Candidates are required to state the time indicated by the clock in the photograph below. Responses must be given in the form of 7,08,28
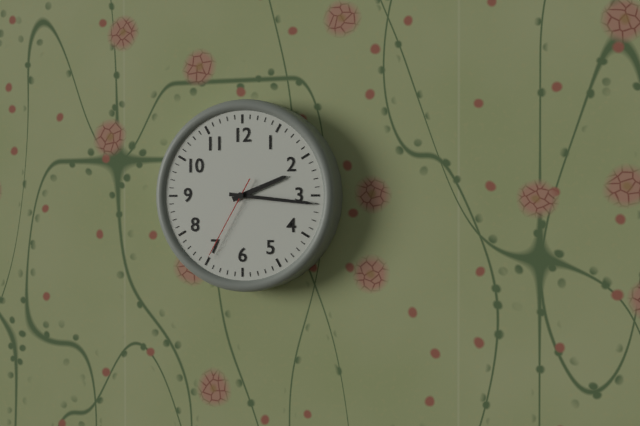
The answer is 2,16,35
